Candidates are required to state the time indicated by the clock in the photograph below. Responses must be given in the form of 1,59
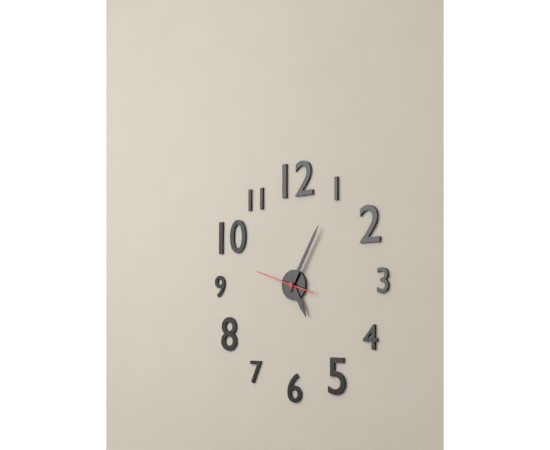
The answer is 5,05
